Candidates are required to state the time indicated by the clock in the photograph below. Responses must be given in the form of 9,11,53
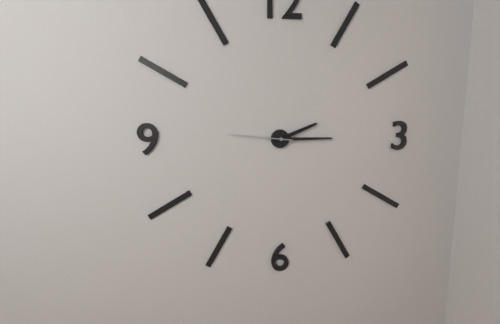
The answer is 2,15,46
